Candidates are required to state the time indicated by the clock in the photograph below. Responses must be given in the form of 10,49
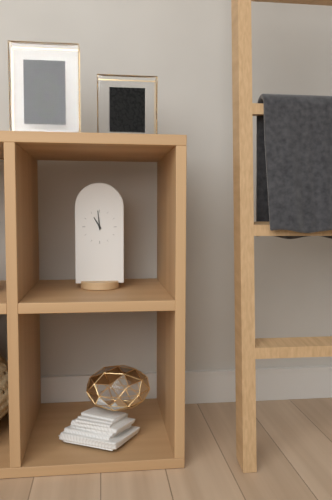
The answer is 10,59
